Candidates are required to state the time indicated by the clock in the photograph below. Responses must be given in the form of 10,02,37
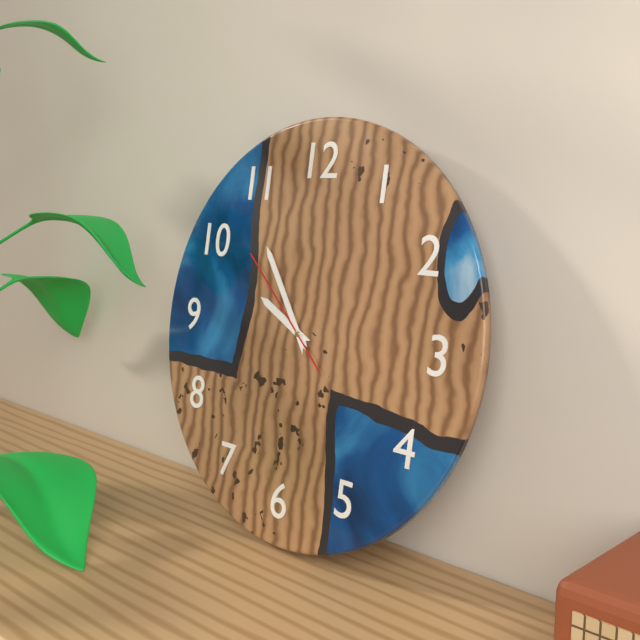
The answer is 9,54,52
